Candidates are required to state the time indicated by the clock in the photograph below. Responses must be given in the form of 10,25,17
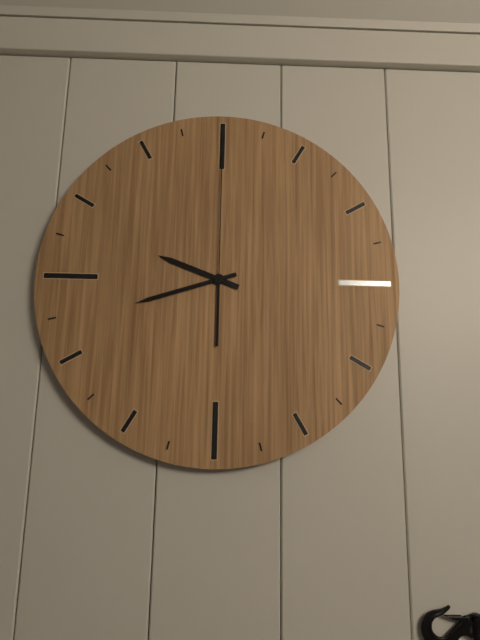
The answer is 9,42,00
